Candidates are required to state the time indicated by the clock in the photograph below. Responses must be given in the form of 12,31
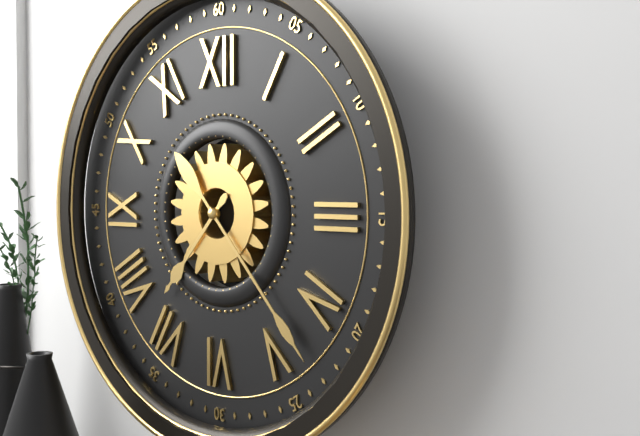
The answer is 7,23
